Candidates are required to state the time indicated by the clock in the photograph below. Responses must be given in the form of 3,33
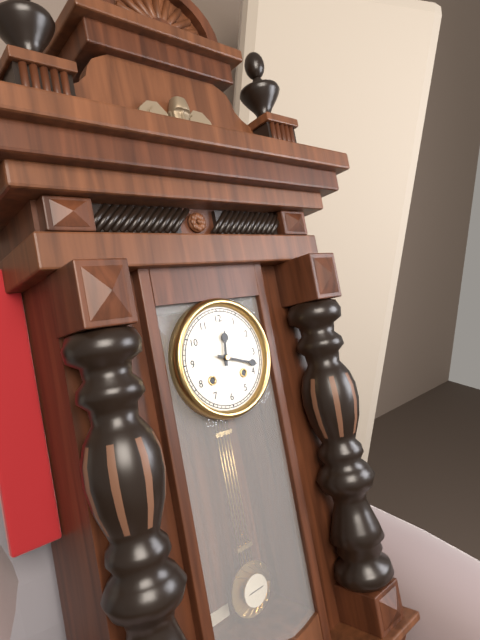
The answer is 12,18
